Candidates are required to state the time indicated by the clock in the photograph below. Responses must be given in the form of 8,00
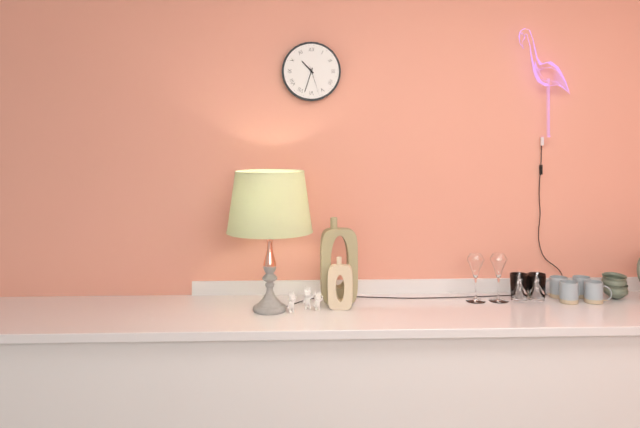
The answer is 10,33
